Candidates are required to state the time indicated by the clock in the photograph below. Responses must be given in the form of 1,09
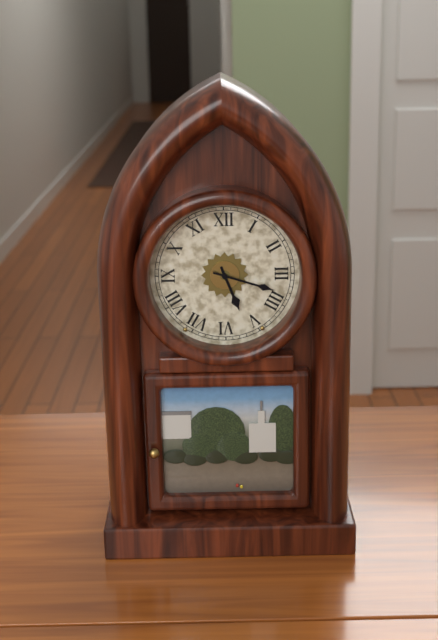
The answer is 5,18
